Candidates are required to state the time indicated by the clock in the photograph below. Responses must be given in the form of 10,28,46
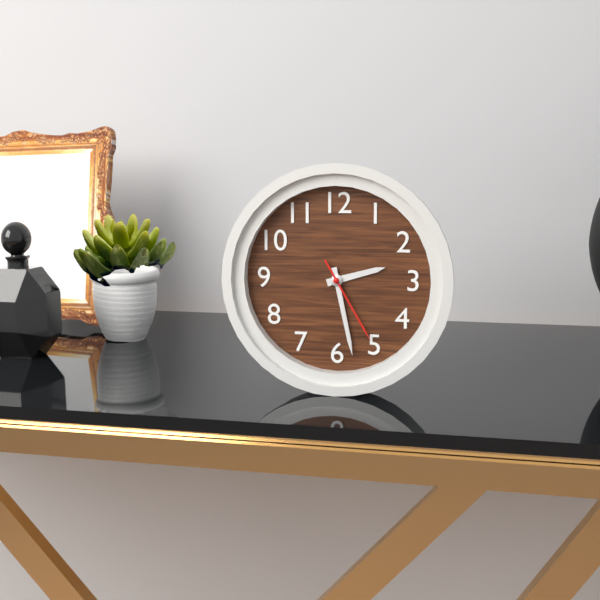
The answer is 2,28,25
